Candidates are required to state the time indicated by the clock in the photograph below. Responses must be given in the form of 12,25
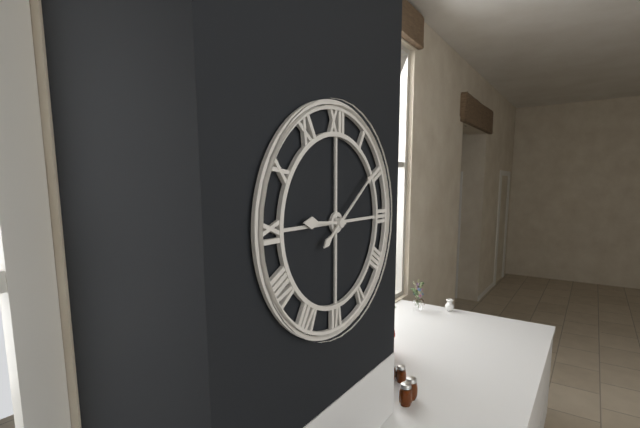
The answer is 9,09
